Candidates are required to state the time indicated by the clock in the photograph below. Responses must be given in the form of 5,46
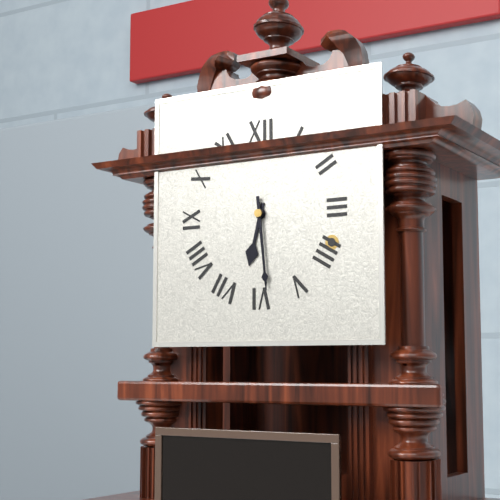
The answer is 6,29
